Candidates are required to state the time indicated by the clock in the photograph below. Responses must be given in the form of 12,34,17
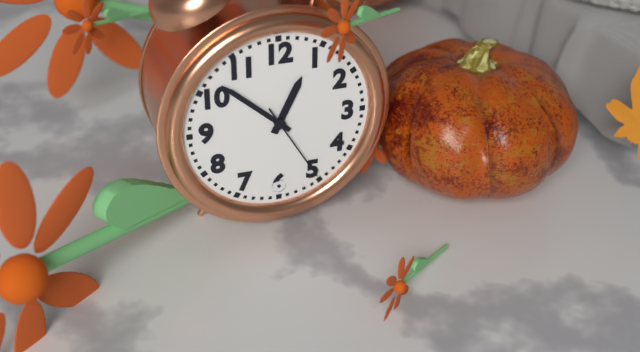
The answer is 12,52,25
